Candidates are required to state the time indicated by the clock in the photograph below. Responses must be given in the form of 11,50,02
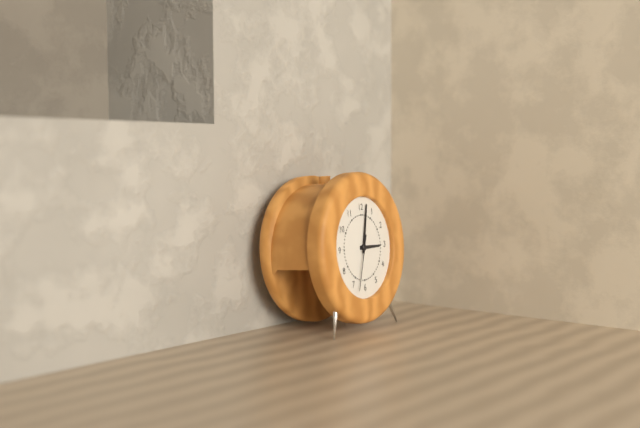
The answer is 3,02,33
